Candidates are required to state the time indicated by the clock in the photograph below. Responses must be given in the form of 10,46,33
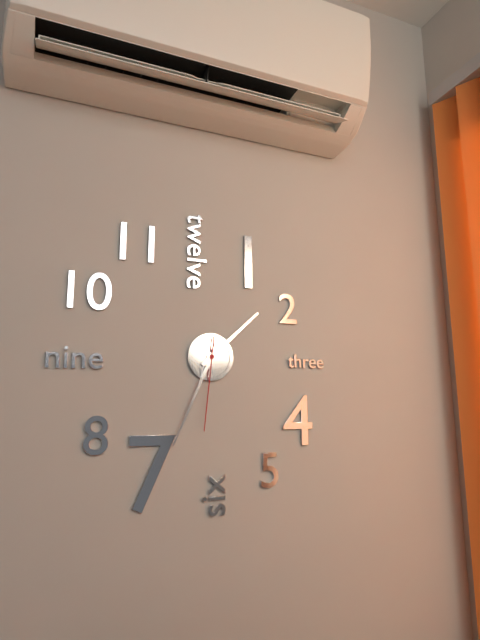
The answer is 1,34,31
